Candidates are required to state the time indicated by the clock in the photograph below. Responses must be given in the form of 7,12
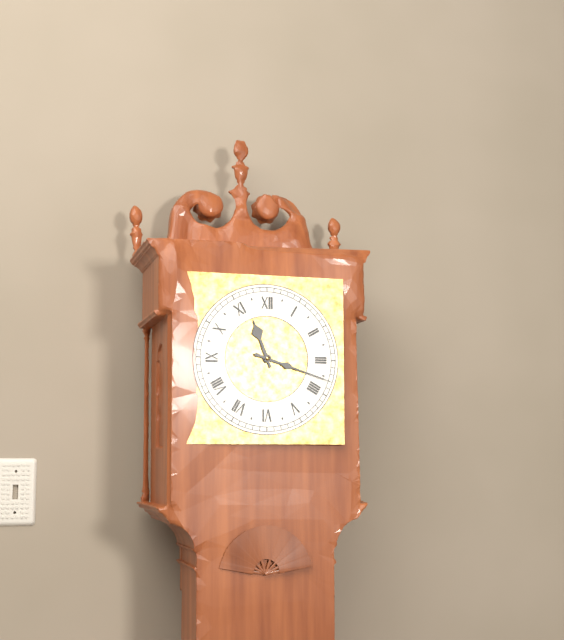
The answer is 11,18
